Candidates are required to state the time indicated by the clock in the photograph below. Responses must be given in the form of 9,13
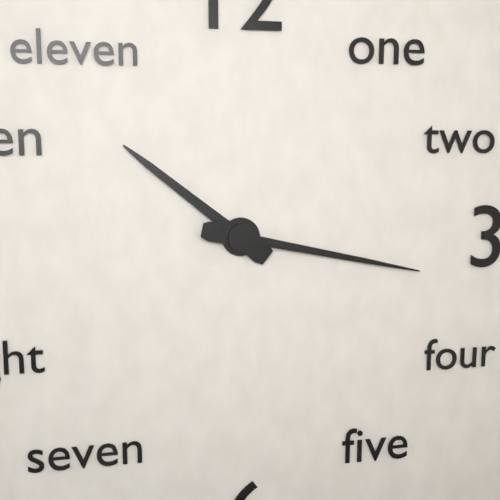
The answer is 10,17
